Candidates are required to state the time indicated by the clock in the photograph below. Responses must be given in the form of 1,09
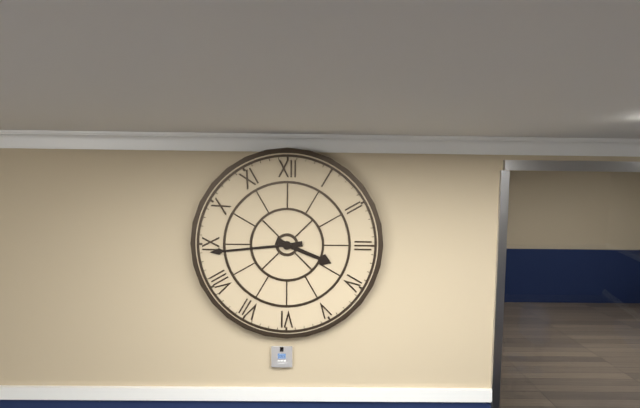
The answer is 3,44
